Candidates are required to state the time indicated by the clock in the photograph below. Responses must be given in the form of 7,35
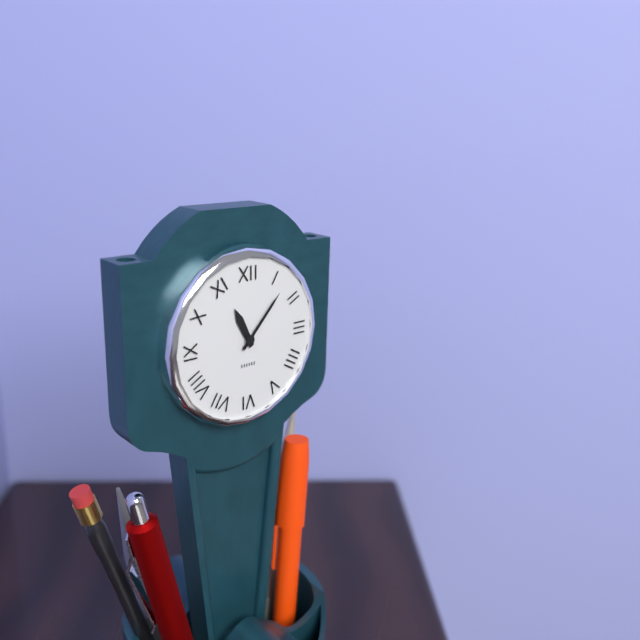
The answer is 11,07
